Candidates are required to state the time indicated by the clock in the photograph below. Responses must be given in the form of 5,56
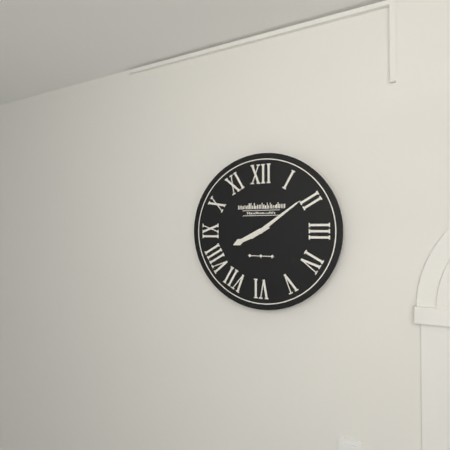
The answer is 8,09
